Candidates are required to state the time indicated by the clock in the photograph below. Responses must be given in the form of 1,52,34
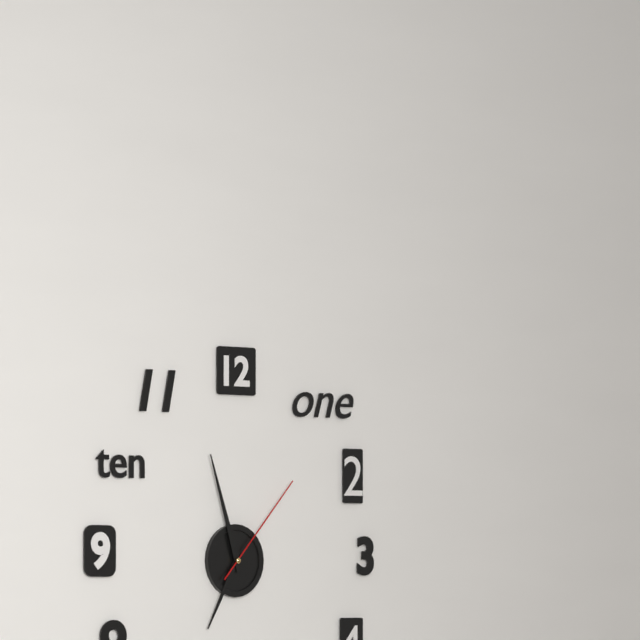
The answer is 6,57,07
